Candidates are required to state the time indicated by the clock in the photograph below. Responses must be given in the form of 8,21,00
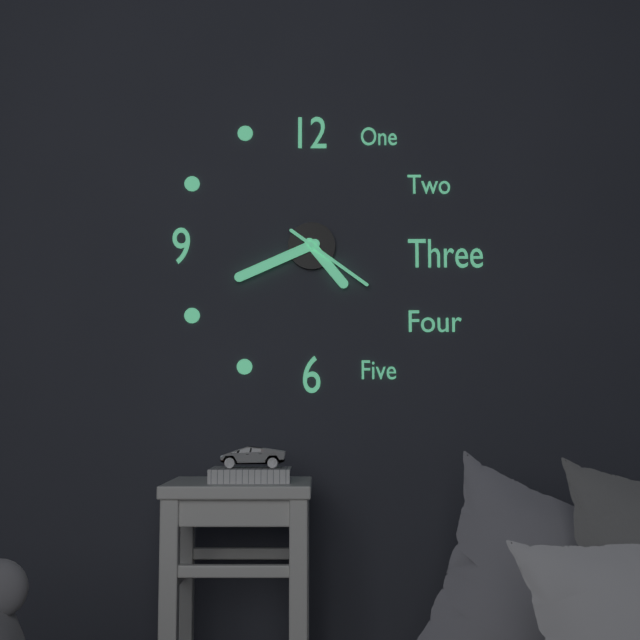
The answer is 4,41,21
